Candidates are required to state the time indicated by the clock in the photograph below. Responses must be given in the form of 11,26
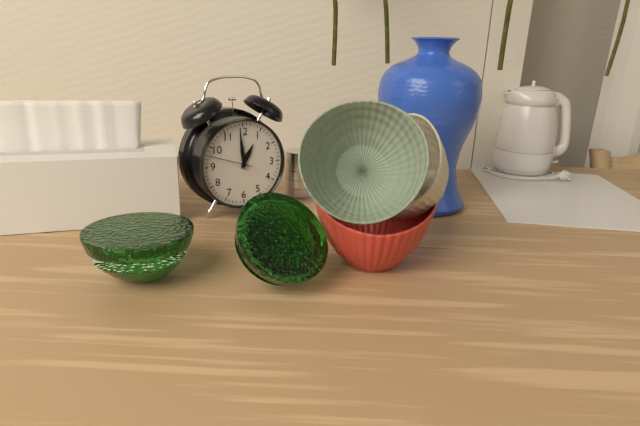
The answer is 12,59
